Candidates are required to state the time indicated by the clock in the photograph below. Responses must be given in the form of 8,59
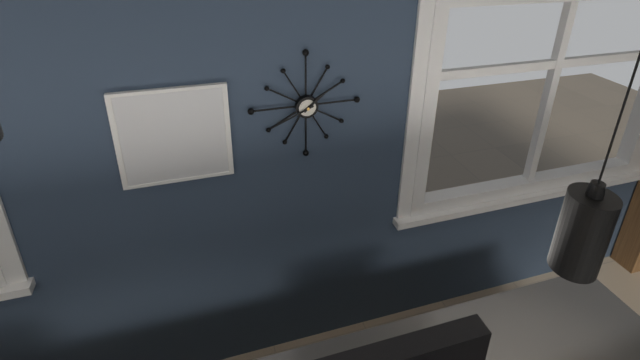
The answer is 1,41
